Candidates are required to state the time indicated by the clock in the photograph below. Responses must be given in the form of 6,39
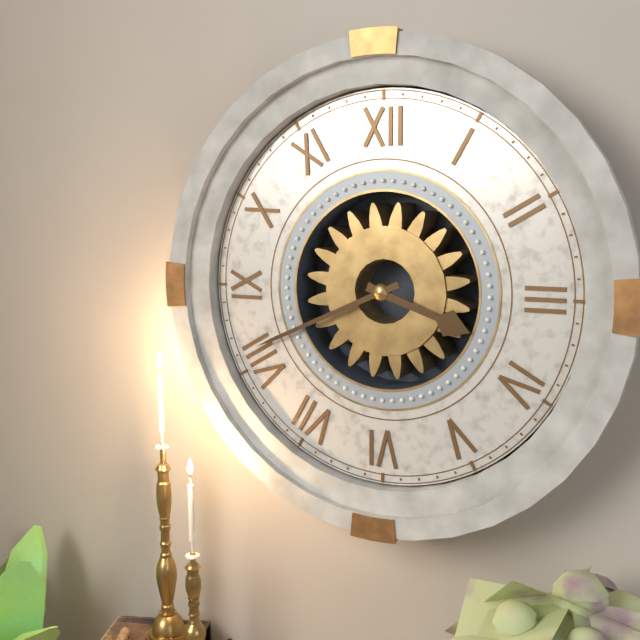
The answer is 3,41
